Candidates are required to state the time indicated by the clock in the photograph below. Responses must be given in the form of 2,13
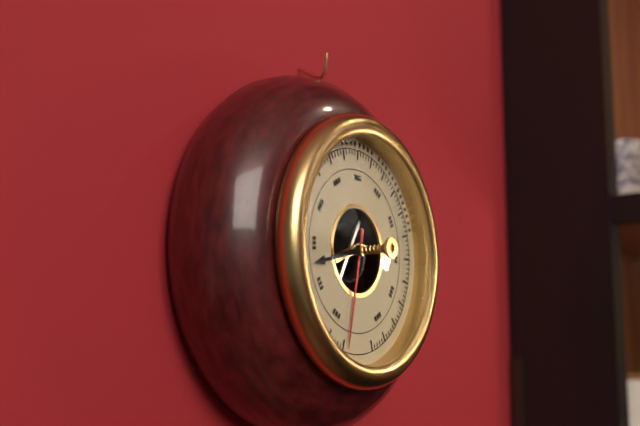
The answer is 8,32
